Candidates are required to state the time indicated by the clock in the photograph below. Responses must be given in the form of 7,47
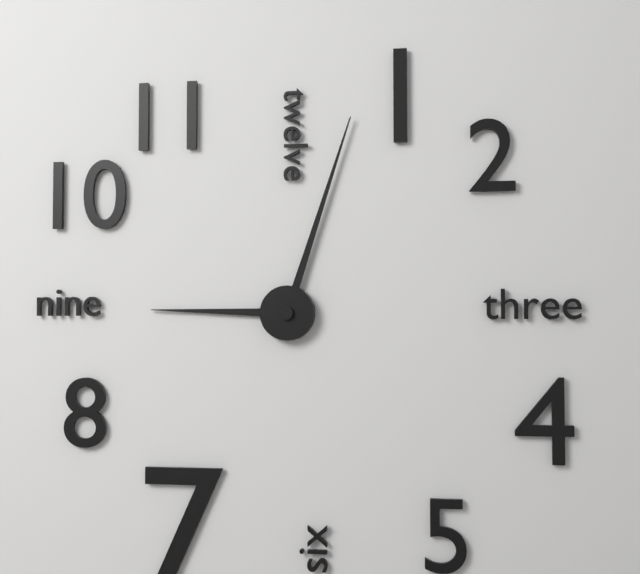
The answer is 9,03
